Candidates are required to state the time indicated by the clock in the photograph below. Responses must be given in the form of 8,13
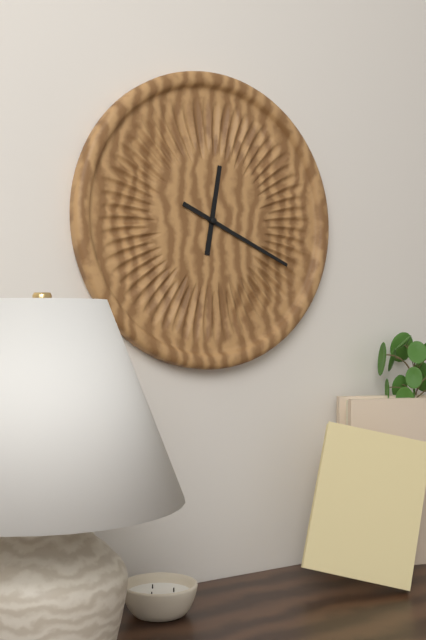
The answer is 12,19
